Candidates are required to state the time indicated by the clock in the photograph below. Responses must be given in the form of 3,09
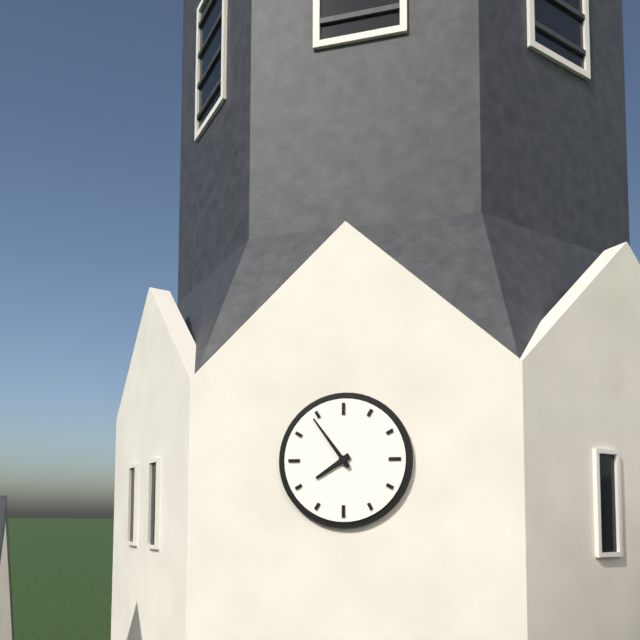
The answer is 7,54
